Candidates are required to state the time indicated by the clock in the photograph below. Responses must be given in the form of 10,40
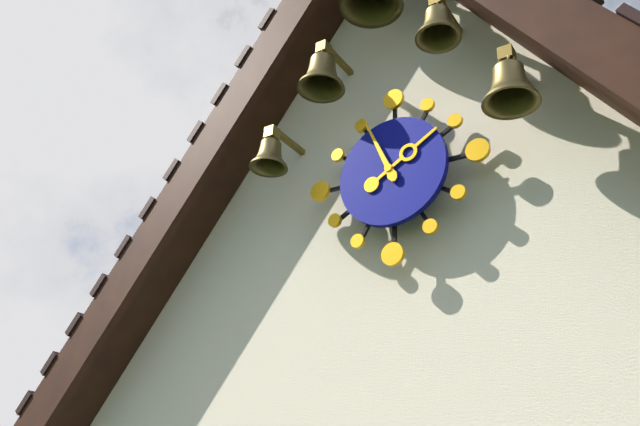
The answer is 1,56
